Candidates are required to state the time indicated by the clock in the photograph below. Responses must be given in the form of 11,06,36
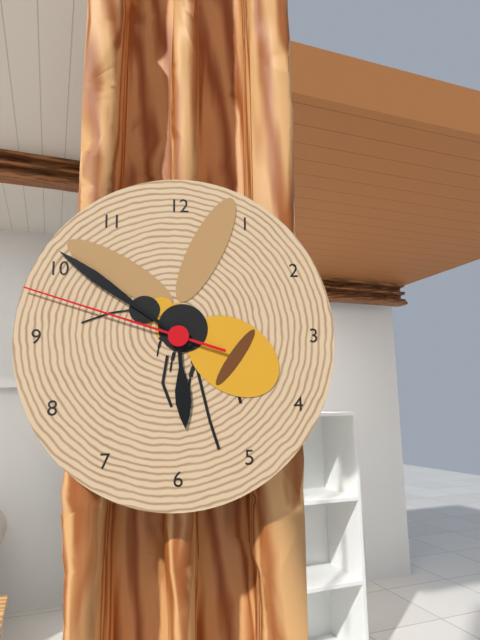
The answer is 5,51,48
